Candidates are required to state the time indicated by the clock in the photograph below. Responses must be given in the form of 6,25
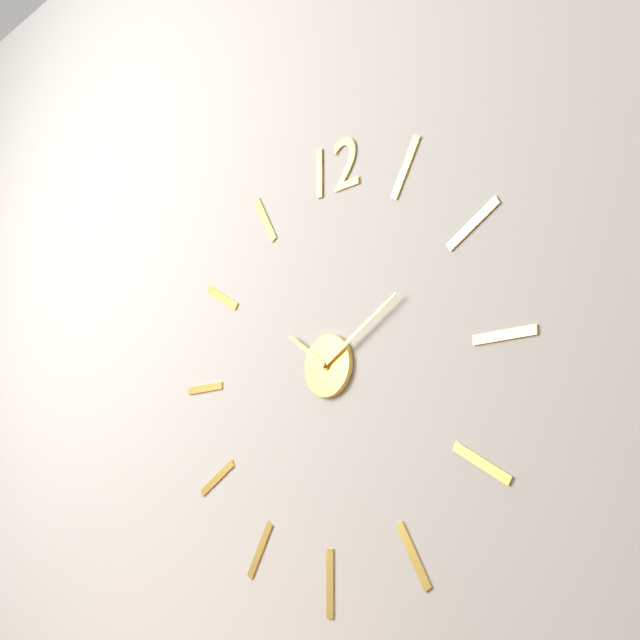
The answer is 10,10
